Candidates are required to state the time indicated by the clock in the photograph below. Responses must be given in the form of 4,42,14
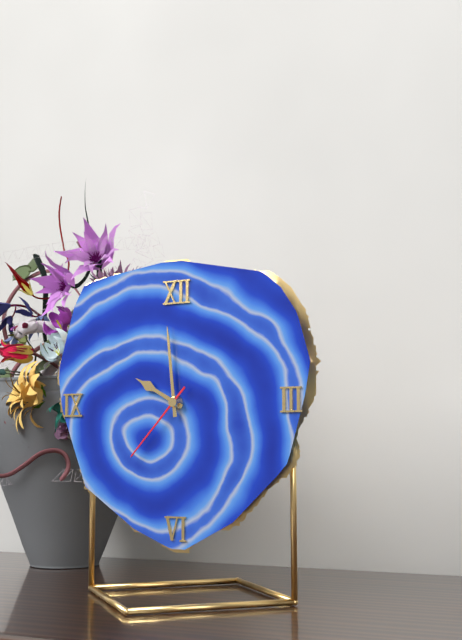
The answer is 9,59,37
